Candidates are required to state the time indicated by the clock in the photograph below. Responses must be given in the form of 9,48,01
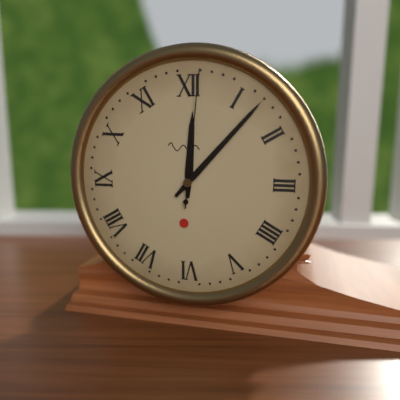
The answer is 12,07,01
